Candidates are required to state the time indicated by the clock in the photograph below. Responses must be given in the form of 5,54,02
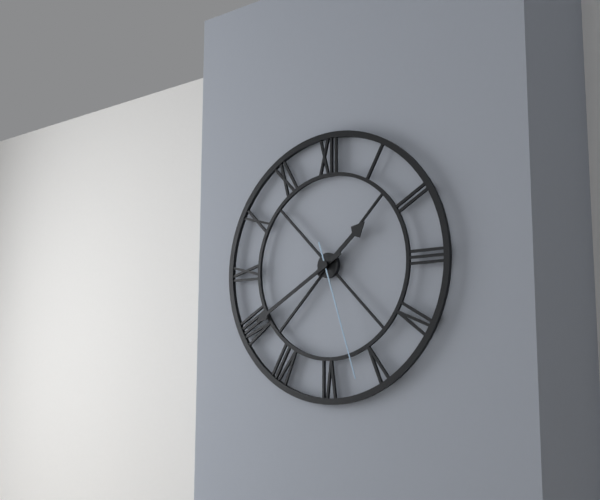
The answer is 1,40,27
